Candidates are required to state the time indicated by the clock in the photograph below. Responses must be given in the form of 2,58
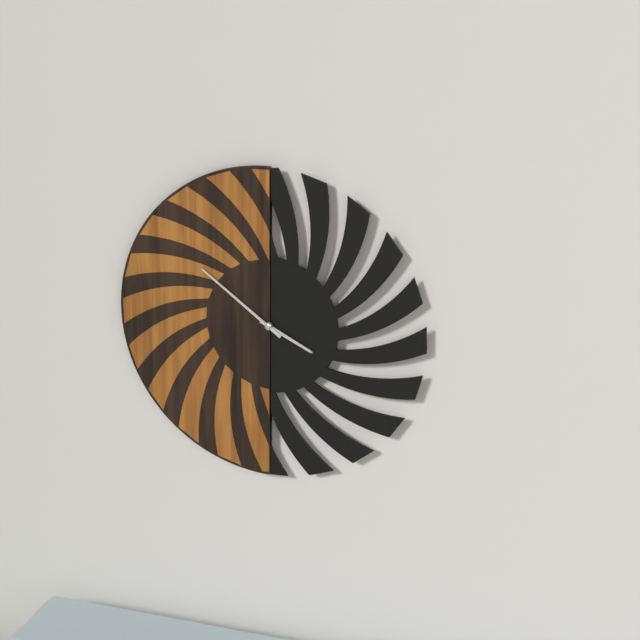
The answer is 3,51
